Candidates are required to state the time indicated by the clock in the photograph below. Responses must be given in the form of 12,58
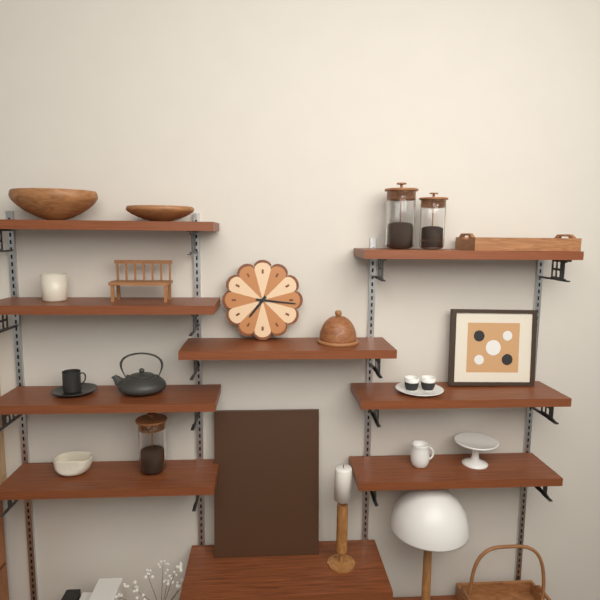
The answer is 7,16
